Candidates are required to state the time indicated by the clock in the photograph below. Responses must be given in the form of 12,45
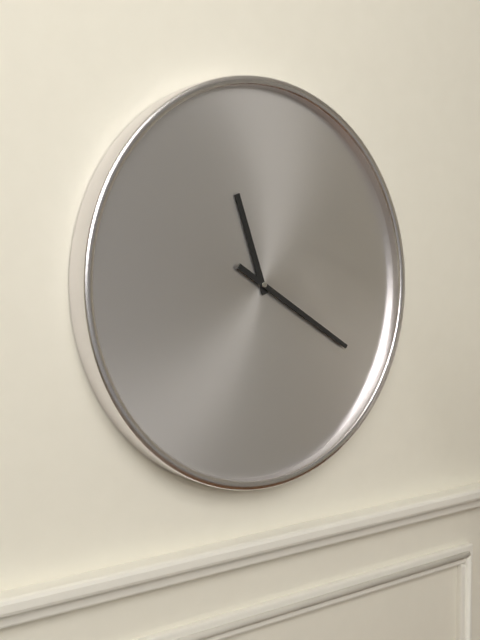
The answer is 11,20
